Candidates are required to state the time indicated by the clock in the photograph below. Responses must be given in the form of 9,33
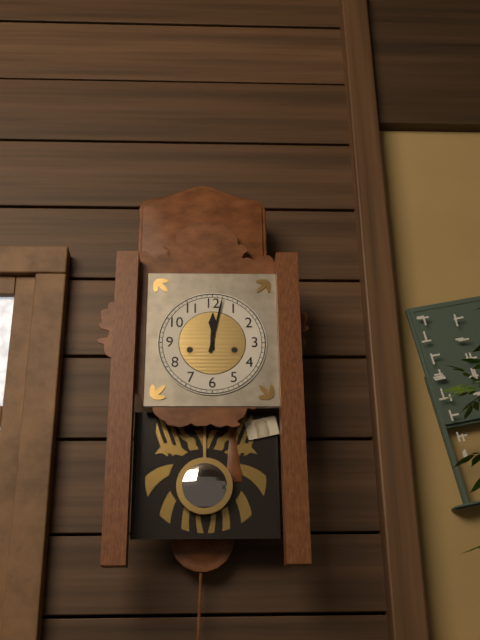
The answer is 12,02
